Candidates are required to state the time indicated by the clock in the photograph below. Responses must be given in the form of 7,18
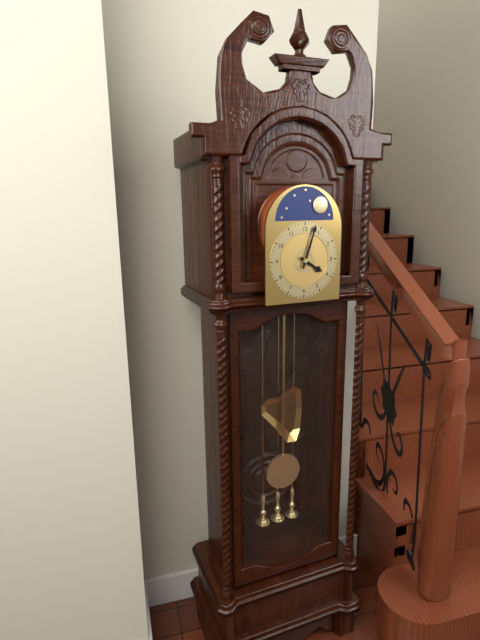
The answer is 4,03
